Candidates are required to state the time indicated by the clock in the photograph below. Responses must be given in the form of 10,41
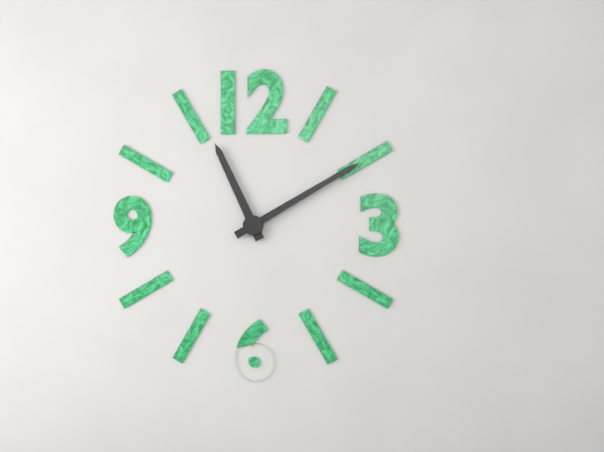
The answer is 11,10
